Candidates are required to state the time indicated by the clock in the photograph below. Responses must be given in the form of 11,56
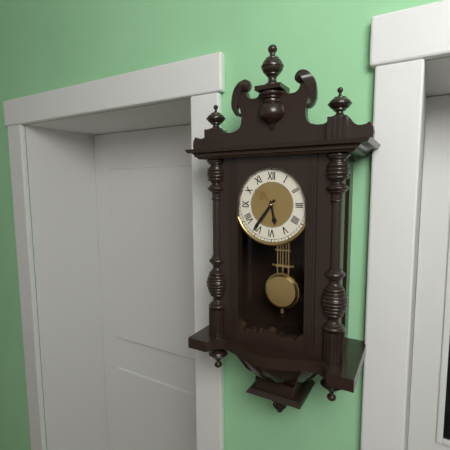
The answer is 5,36
